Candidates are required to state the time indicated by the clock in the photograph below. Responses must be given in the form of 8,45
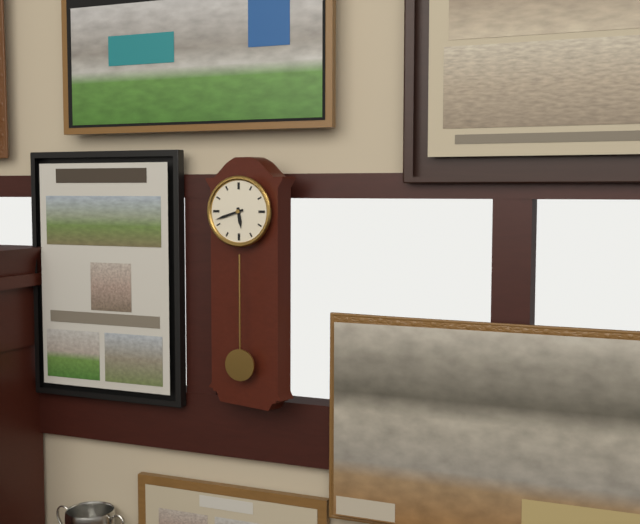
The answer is 5,42
